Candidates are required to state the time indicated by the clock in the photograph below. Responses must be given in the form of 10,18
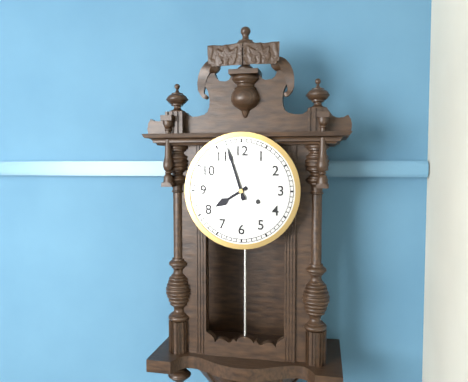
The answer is 7,57
